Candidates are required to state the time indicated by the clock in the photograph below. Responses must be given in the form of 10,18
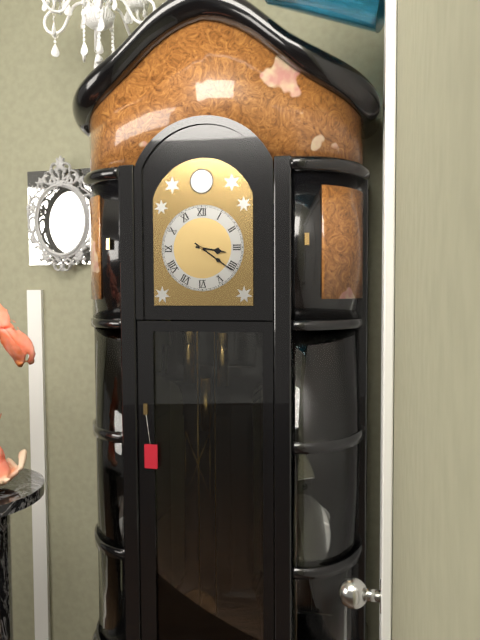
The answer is 3,21
